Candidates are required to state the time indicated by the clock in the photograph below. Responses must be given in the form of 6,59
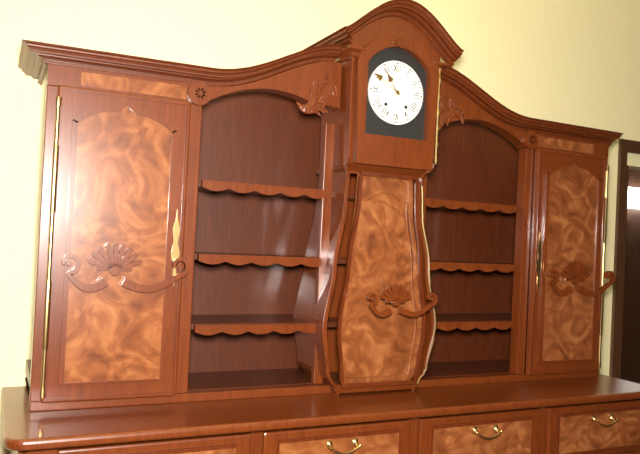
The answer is 10,50
